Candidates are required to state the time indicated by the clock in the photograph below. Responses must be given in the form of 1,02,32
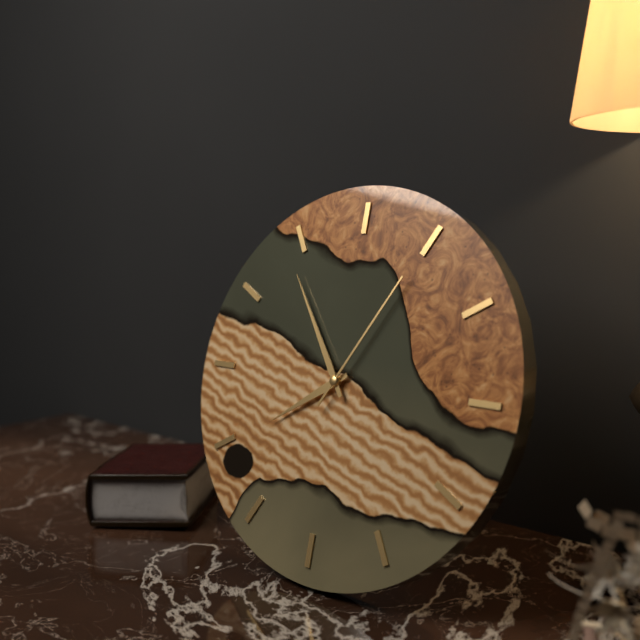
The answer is 7,54,05
